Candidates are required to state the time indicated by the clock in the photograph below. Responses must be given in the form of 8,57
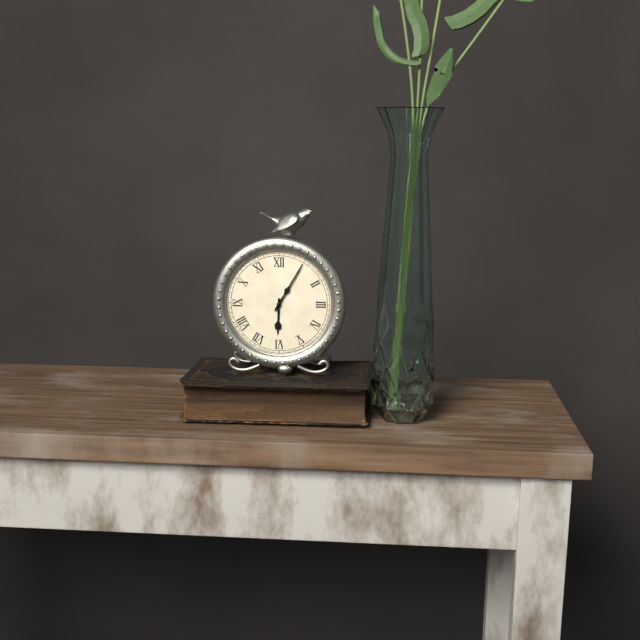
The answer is 6,05
